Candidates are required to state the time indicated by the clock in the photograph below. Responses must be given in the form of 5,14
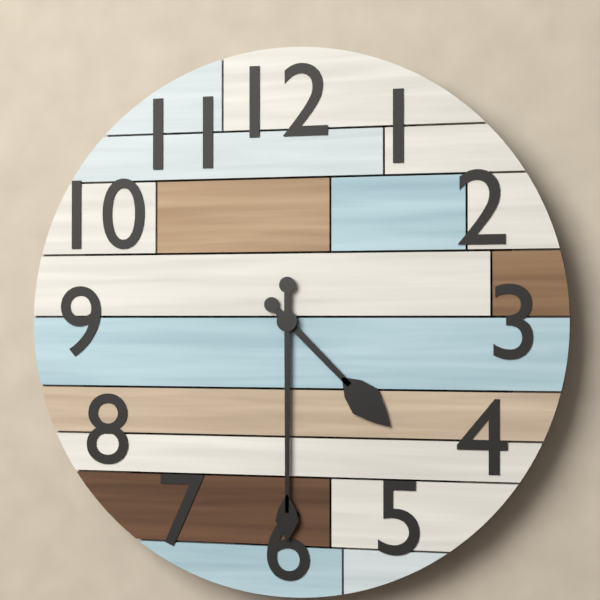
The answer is 4,30
